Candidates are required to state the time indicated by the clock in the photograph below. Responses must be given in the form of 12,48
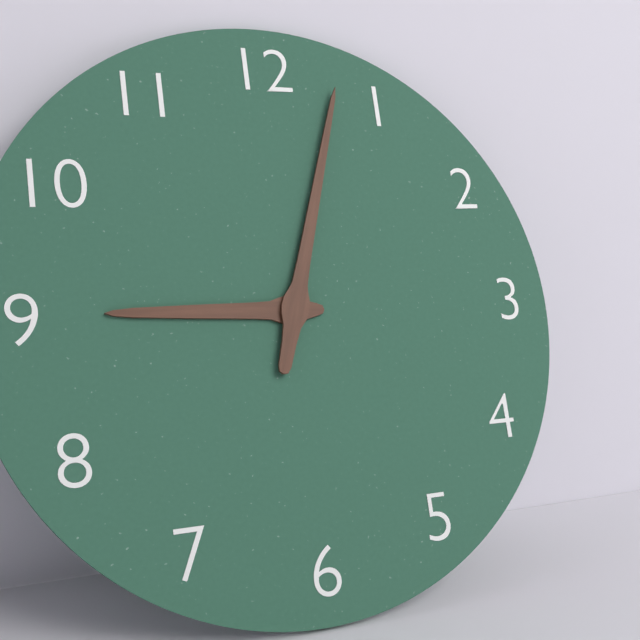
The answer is 9,03
